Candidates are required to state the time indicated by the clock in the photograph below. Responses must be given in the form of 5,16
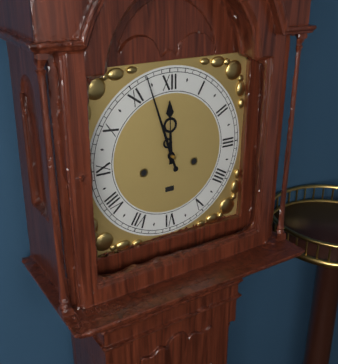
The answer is 11,57
